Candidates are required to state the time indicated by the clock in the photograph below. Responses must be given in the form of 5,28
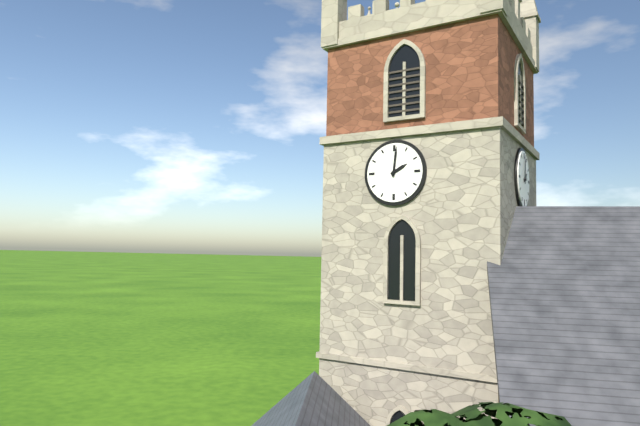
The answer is 2,01
